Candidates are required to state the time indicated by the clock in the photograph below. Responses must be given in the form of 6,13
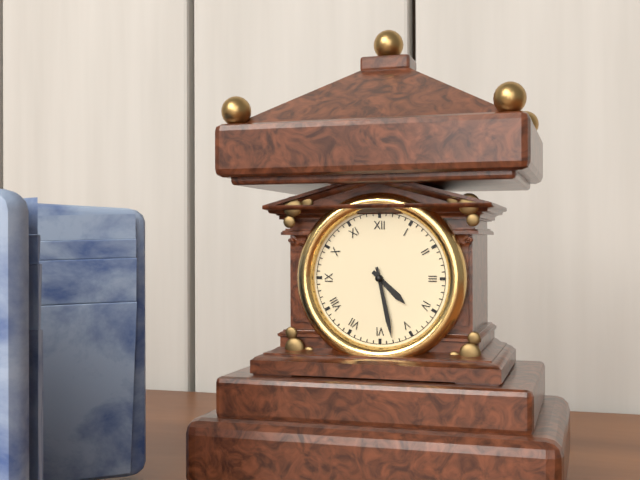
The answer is 4,28
